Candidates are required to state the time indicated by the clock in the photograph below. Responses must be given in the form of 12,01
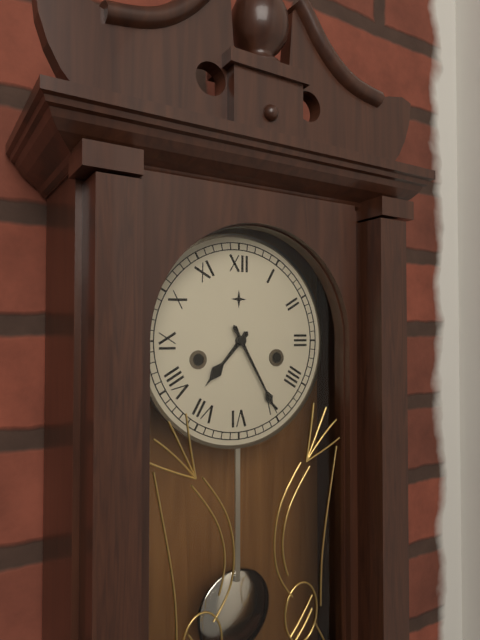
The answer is 7,25
